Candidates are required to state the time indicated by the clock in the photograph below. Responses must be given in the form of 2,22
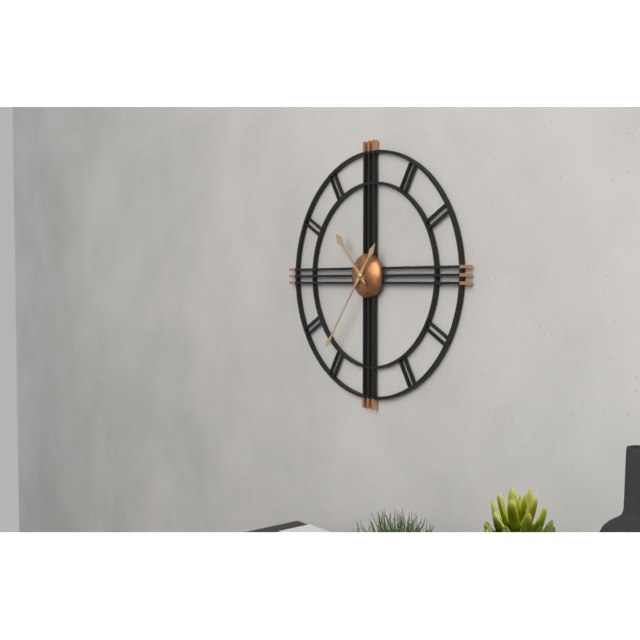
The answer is 10,36
